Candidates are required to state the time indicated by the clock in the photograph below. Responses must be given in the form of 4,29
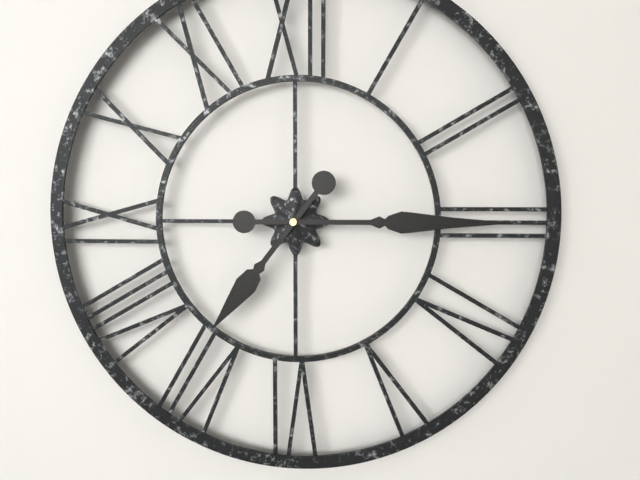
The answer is 7,15
